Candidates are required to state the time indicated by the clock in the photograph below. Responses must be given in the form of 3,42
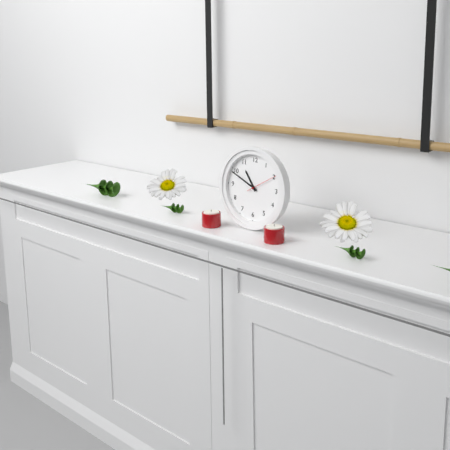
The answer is 10,49
